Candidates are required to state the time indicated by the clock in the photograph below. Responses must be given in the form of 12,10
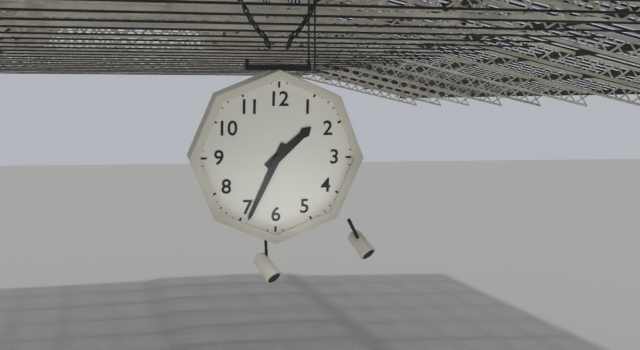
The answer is 1,34
